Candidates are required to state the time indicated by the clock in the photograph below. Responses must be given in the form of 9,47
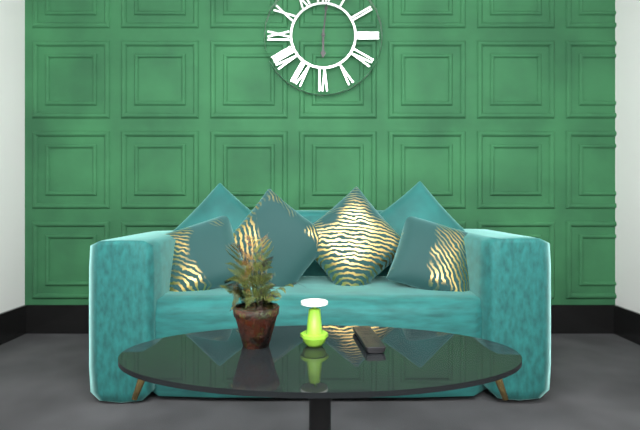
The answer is 6,01
